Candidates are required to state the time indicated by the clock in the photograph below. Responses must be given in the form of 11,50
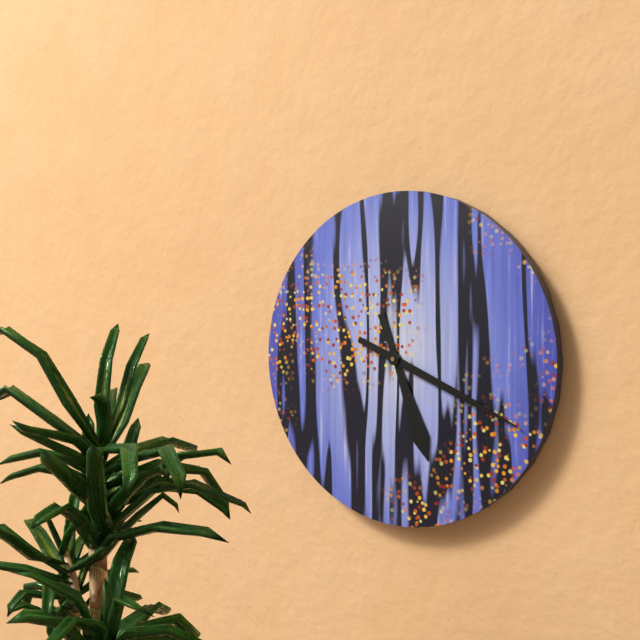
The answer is 5,19
